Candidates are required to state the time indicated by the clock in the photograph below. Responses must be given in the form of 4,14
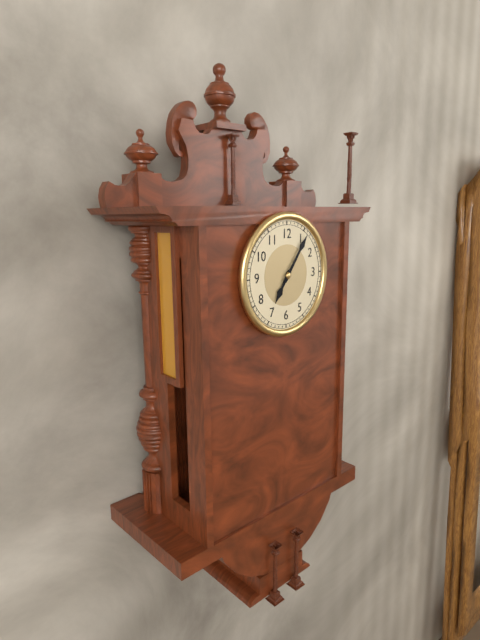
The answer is 7,06
